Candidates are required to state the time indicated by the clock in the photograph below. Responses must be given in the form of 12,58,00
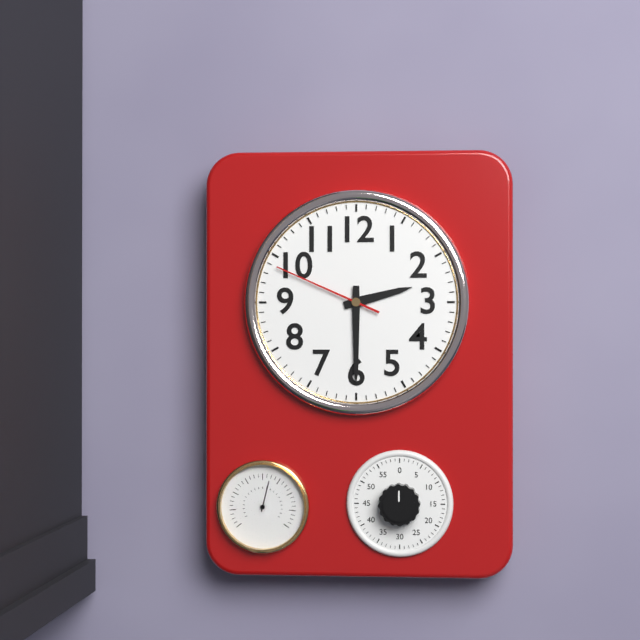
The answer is 2,30,49
